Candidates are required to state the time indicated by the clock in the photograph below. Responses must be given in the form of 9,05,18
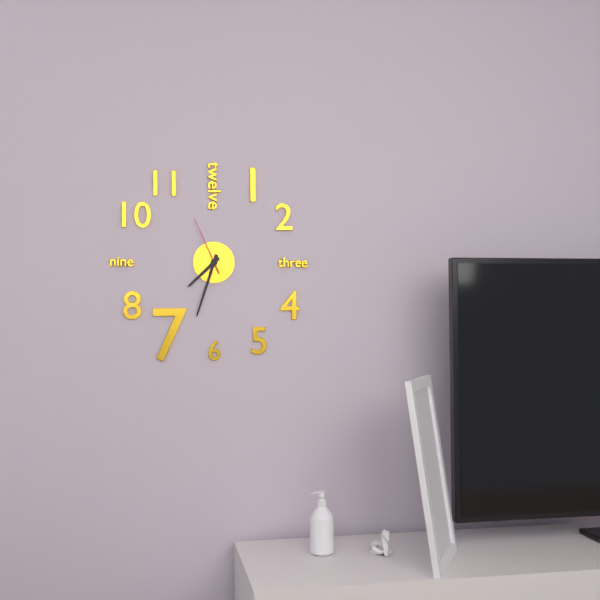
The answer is 7,33,56
